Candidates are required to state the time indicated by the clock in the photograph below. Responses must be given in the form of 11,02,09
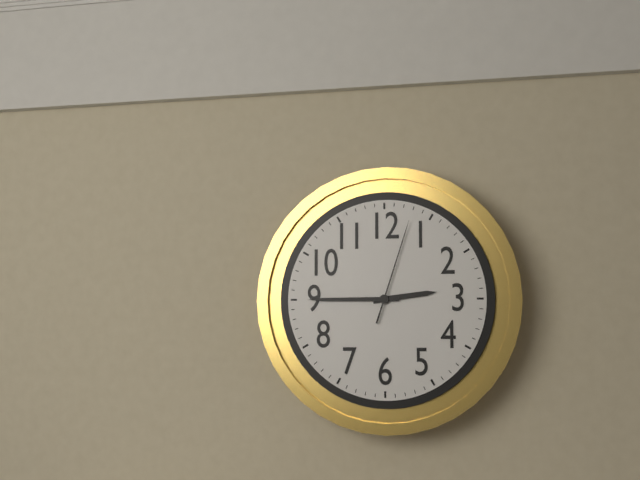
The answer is 2,45,03
